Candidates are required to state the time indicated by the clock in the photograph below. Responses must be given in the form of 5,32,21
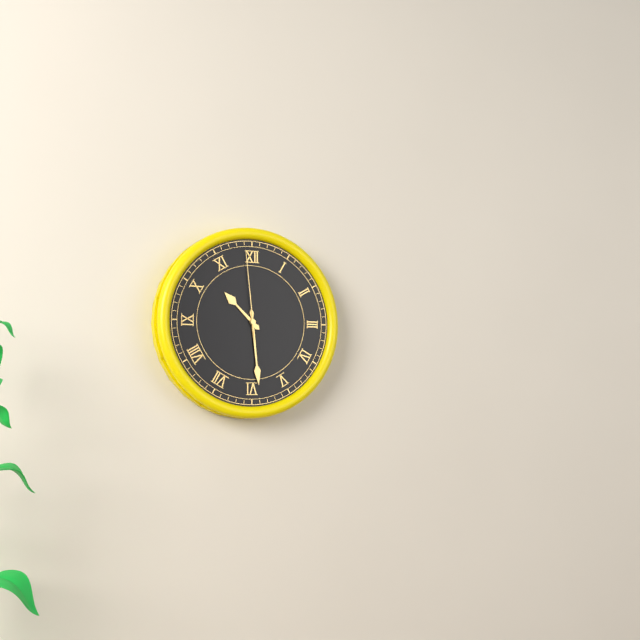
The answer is 10,29,59
